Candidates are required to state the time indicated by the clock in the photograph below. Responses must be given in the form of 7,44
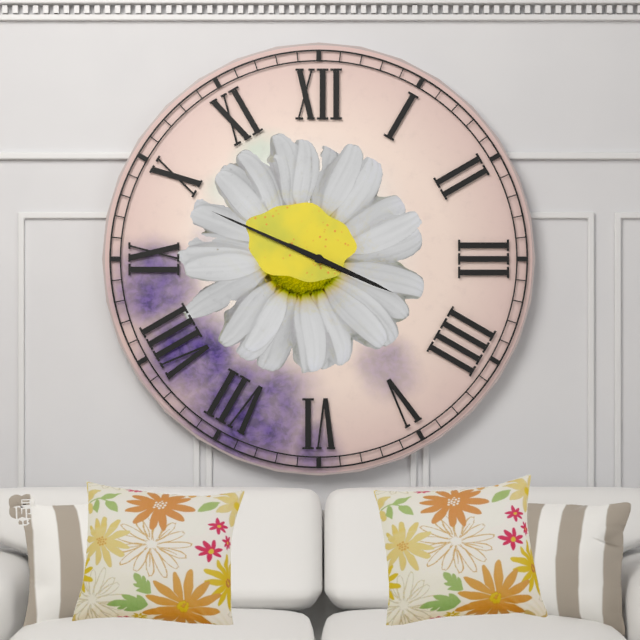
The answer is 3,49
